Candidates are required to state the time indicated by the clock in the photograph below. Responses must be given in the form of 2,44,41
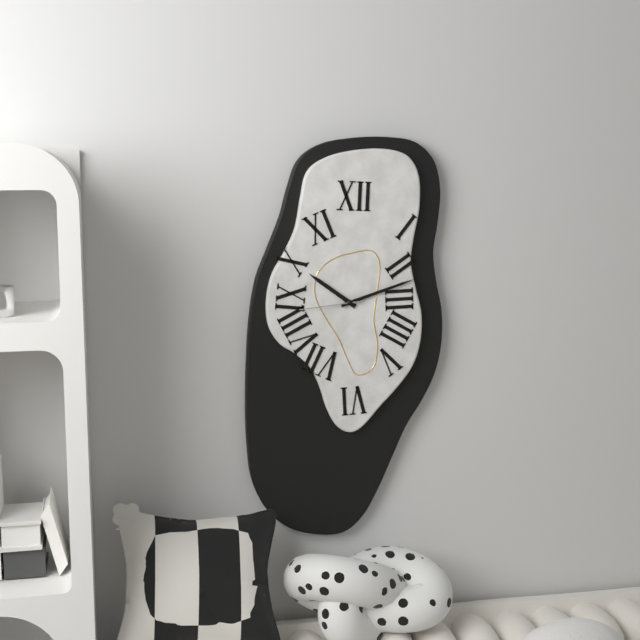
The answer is 10,12,44
